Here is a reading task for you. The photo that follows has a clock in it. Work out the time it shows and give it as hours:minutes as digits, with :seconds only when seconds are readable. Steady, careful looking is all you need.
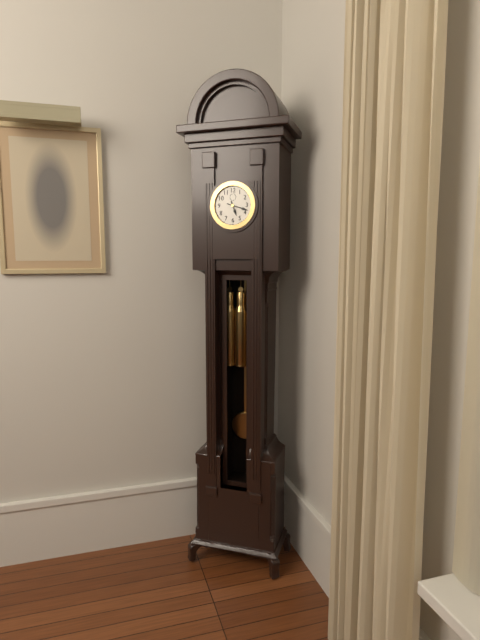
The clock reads 5:18
